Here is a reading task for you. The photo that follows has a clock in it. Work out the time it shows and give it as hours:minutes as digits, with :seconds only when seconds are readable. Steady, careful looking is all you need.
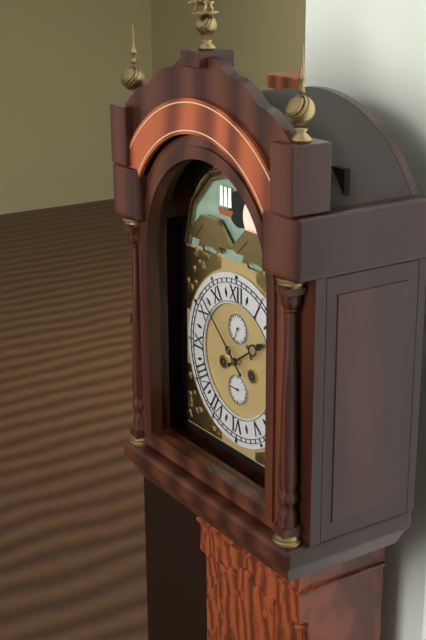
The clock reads 1:52
